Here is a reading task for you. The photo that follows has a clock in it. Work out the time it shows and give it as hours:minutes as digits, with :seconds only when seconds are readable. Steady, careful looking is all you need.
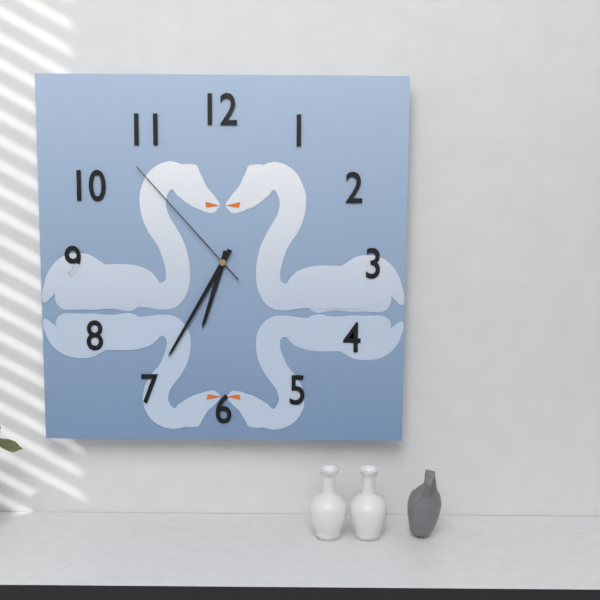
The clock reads 6:35:53
